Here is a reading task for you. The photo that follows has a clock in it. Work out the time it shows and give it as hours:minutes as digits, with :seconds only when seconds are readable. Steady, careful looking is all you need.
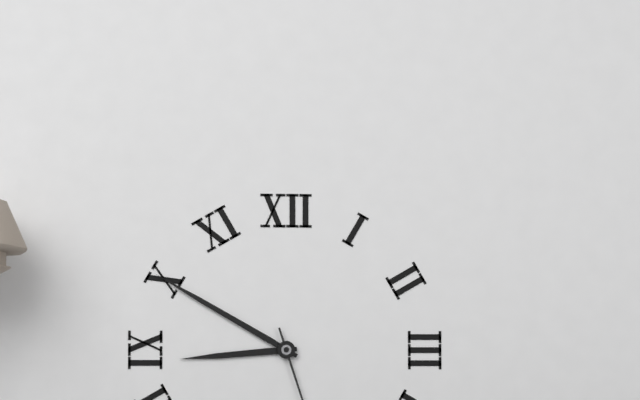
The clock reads 8:50
